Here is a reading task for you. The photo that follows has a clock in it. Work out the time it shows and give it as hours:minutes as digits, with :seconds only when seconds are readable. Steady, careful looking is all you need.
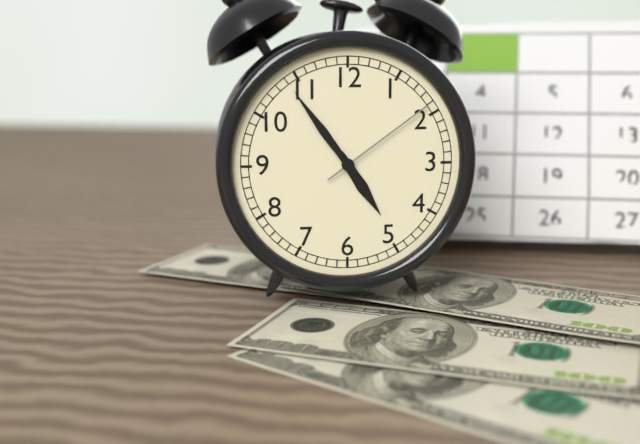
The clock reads 4:54:09
